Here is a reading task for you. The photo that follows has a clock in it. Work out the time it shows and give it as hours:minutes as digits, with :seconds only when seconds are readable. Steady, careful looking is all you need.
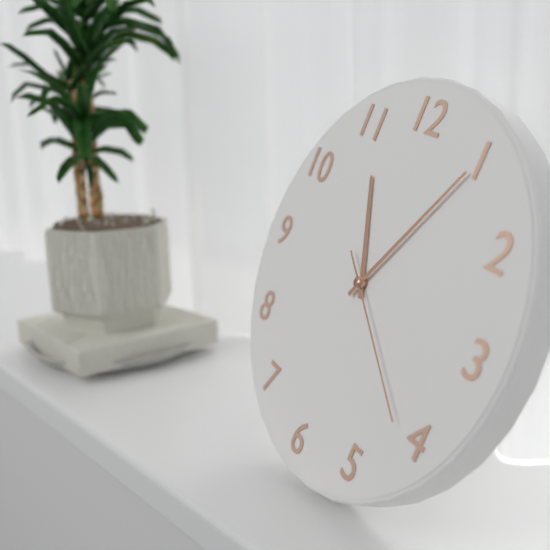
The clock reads 11:05:21
